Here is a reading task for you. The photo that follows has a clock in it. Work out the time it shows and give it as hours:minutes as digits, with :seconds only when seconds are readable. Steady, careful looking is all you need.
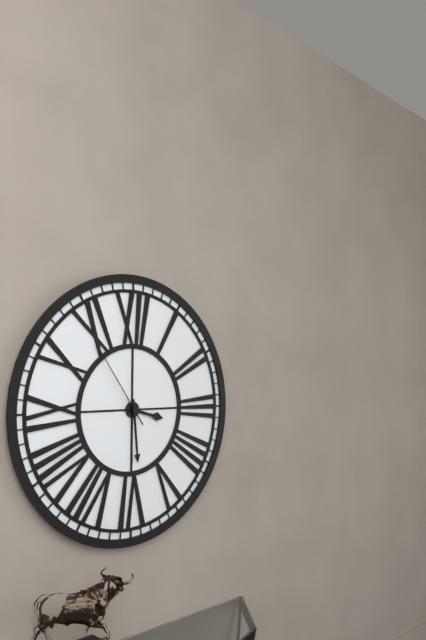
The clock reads 3:29:54
